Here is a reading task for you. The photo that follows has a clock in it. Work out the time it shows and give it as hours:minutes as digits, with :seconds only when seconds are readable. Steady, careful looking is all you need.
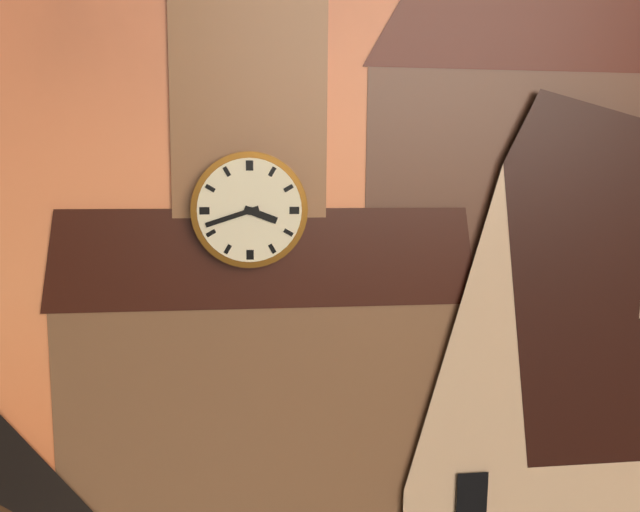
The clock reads 3:42
